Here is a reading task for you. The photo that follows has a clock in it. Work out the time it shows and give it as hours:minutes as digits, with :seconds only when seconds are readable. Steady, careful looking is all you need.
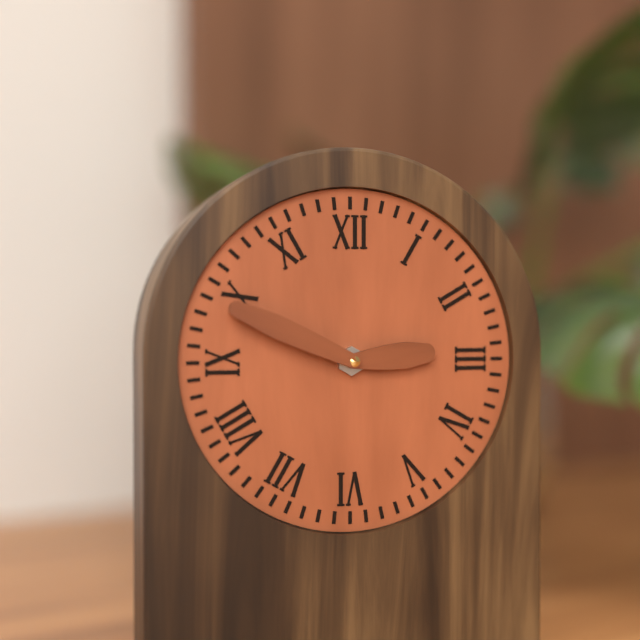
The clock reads 2:49
